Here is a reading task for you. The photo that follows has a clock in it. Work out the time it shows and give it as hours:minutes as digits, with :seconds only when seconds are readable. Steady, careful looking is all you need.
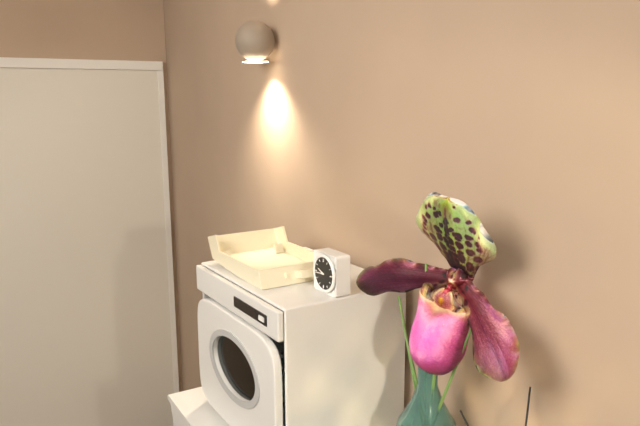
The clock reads 9:44
